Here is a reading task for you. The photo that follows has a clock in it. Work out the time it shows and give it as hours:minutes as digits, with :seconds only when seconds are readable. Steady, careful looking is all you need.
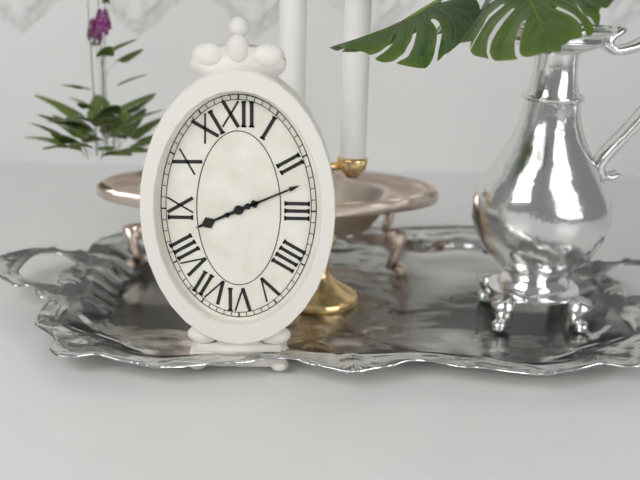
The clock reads 8:11
